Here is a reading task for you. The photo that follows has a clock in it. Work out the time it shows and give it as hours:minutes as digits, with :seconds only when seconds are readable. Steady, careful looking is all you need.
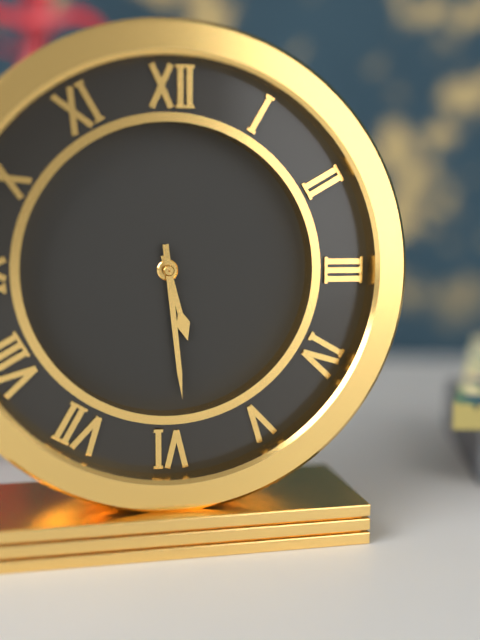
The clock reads 5:29
